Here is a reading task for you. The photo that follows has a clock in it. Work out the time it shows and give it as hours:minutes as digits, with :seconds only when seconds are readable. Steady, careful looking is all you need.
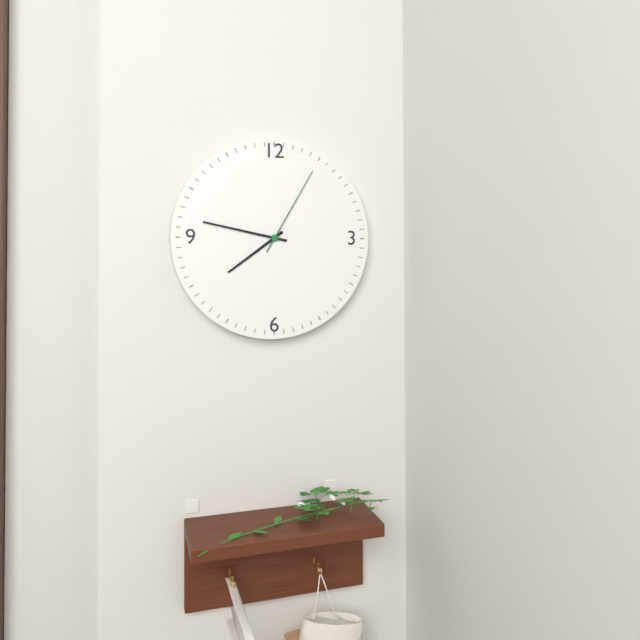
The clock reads 7:47:05
